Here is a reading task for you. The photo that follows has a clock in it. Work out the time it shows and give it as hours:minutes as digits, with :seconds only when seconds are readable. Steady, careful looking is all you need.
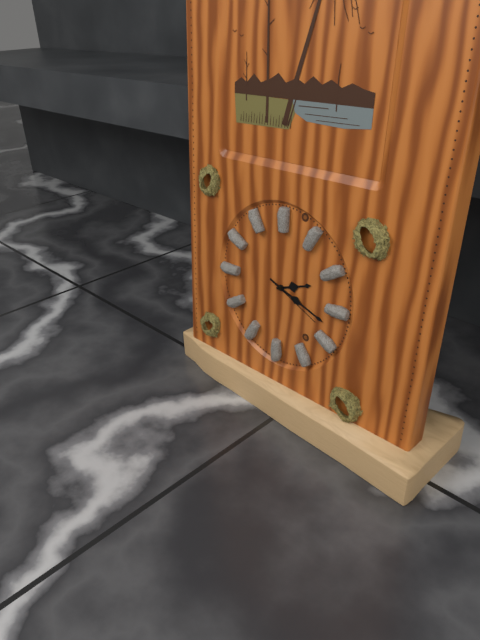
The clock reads 2:18:19
